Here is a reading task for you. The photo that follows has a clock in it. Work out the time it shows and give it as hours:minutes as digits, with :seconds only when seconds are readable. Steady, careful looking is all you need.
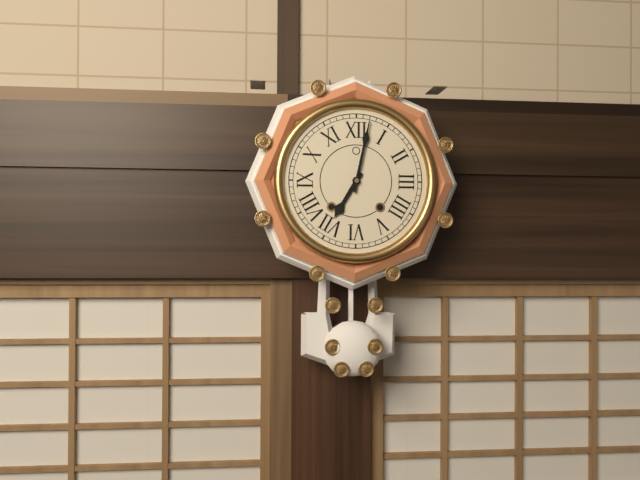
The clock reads 7:02
